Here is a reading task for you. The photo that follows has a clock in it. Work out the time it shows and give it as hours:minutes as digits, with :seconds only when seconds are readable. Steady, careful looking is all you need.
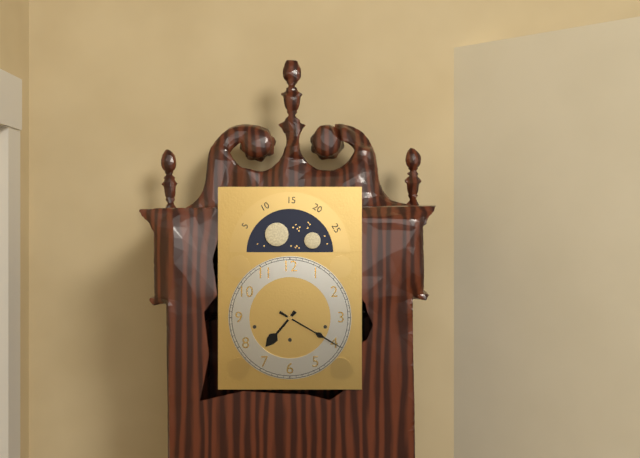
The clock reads 7:20
